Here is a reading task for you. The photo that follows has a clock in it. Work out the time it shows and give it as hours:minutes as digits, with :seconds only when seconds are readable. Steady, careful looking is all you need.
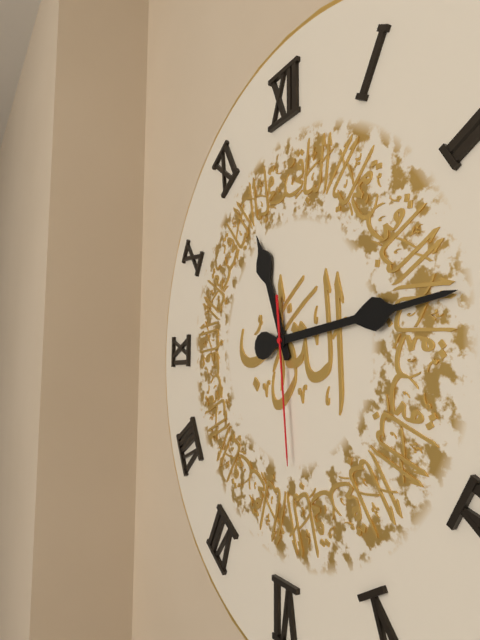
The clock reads 11:14:29
